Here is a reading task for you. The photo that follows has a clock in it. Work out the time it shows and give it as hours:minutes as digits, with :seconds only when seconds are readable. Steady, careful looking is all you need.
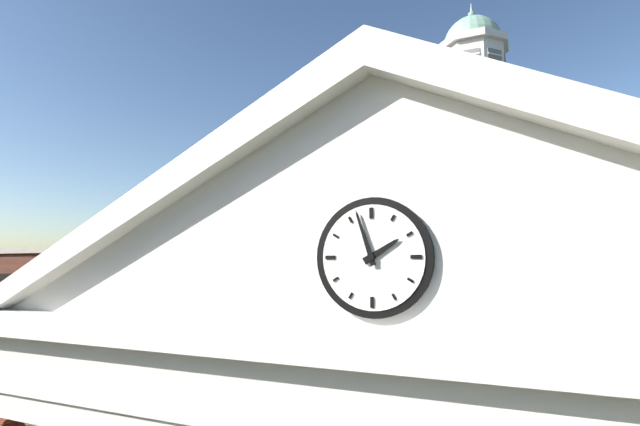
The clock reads 1:57
